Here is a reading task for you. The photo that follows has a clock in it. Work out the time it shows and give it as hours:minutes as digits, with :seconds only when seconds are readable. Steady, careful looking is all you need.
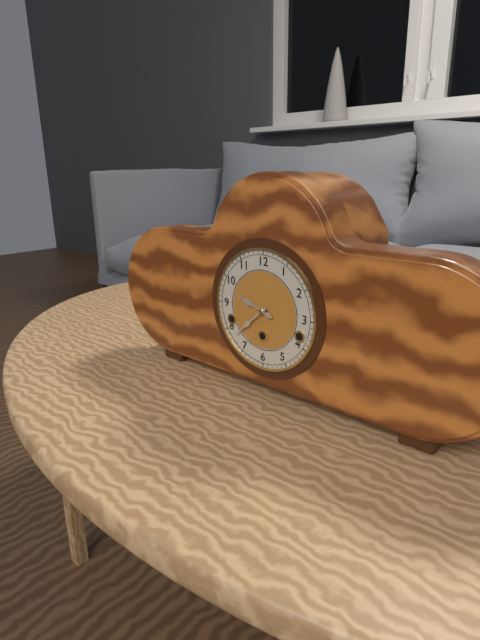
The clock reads 9:38
